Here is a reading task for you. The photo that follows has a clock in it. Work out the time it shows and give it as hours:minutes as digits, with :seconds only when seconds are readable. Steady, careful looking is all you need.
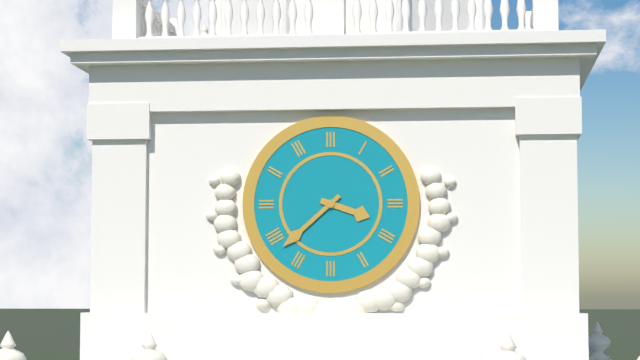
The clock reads 3:38
